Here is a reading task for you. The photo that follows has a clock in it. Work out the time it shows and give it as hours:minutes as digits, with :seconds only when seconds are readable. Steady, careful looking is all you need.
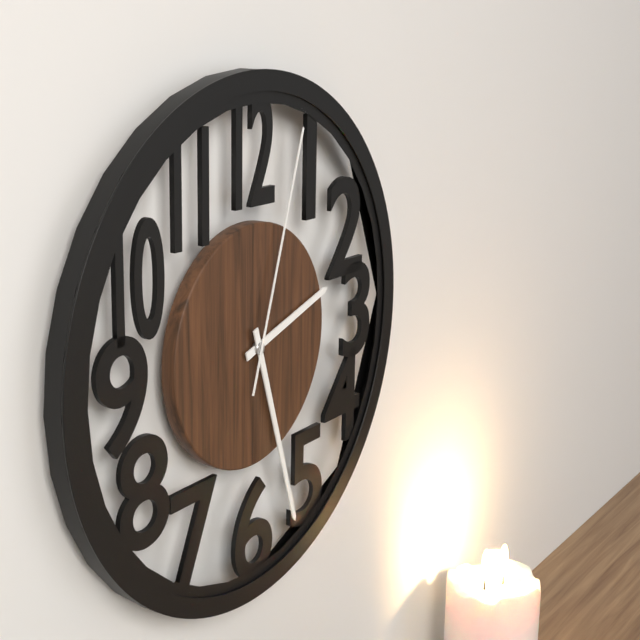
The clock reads 2:27:03
